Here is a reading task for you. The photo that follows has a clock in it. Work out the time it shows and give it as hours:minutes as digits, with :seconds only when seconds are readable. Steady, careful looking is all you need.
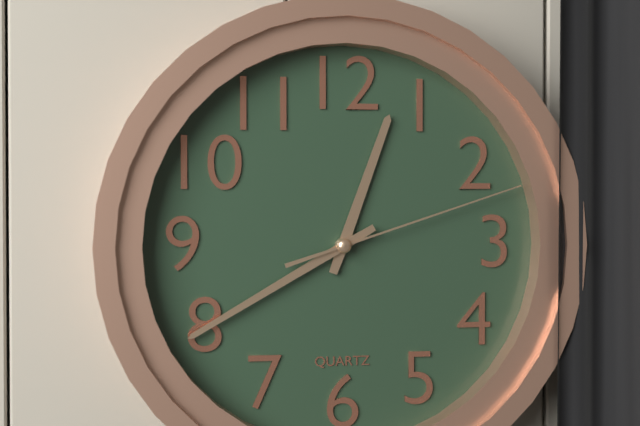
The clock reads 12:40:12
